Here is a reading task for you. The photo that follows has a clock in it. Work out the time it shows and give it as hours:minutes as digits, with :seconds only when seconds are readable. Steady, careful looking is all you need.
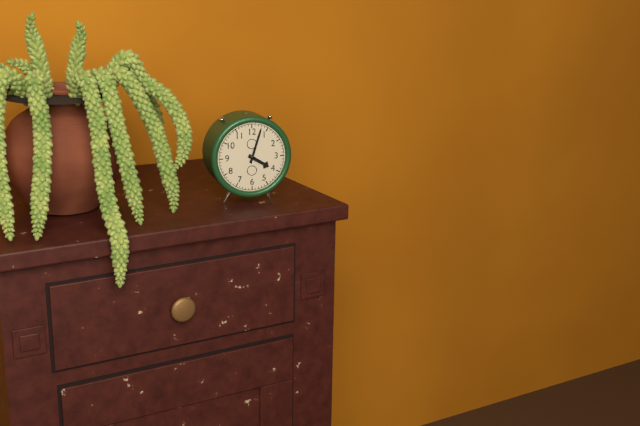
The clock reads 4:03
